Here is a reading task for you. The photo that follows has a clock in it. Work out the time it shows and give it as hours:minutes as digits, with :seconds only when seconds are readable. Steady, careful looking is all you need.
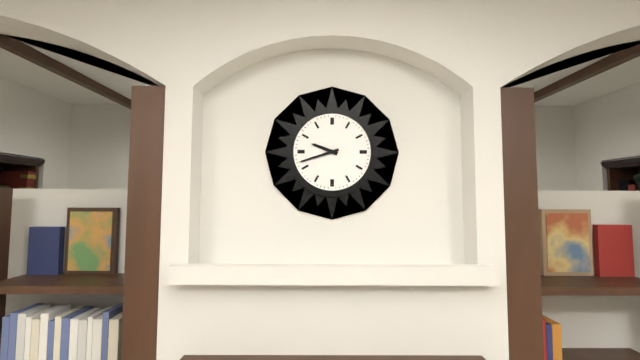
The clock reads 9:42
